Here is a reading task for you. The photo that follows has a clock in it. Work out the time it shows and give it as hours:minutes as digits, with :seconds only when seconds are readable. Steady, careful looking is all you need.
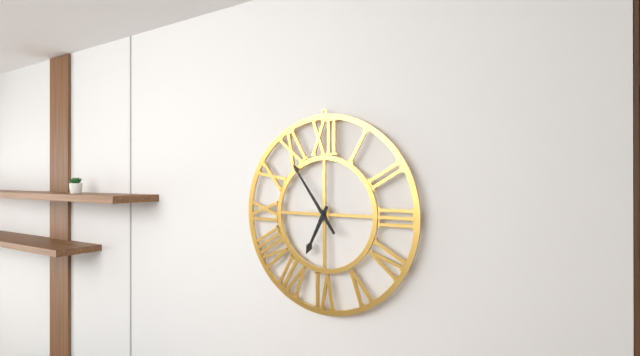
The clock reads 6:54
